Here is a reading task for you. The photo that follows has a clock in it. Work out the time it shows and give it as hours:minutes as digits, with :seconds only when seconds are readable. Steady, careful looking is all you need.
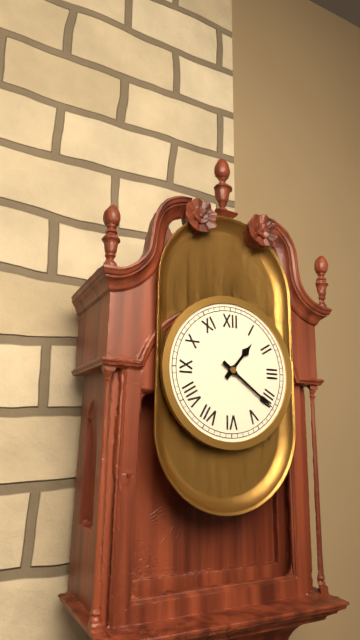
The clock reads 1:21
